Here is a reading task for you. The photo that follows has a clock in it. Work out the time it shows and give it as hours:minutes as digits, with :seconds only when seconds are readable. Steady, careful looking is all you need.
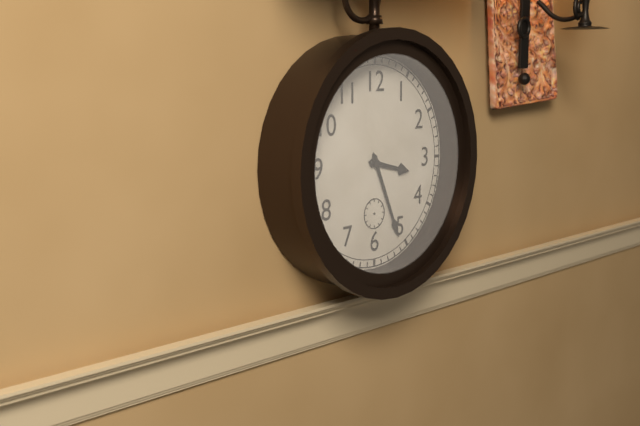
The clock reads 3:26
